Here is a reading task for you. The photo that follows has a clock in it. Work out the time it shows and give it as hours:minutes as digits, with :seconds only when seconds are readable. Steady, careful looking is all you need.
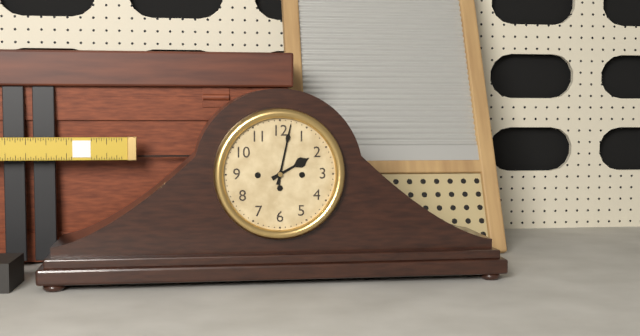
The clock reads 2:02
